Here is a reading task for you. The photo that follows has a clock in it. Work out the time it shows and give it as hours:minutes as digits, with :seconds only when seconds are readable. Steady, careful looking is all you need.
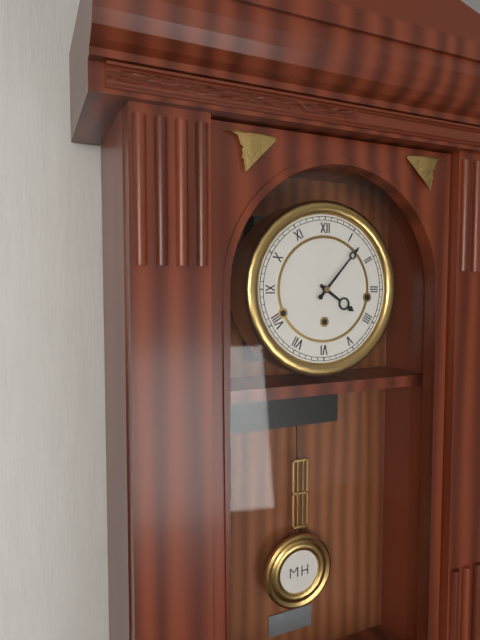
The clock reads 4:07
